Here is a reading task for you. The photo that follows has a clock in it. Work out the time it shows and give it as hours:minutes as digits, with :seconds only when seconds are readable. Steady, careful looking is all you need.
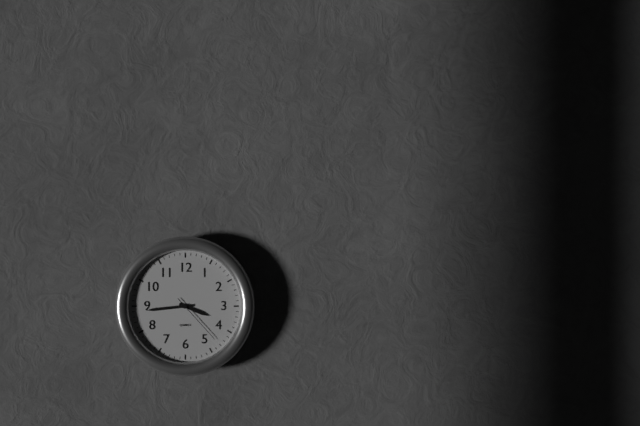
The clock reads 3:44:23
